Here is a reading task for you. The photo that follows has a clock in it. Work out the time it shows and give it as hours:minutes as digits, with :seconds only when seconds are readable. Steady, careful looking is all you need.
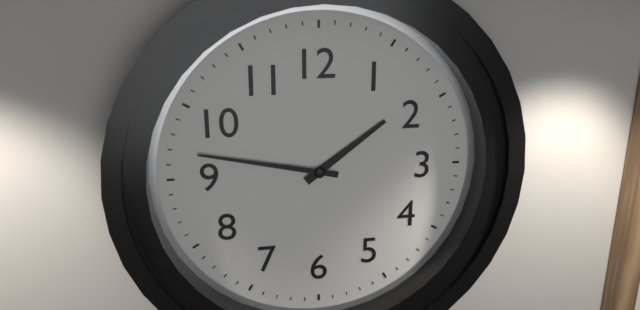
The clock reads 1:47
